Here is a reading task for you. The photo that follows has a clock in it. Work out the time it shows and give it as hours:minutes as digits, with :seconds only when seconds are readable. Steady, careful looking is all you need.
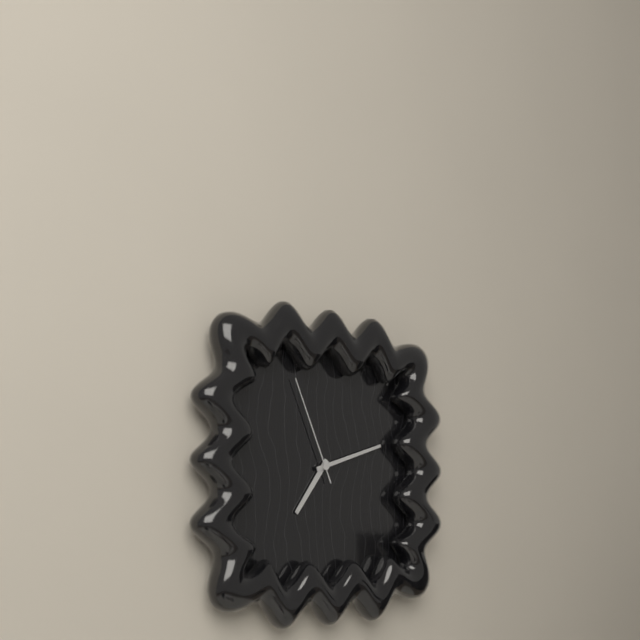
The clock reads 7:12:56
